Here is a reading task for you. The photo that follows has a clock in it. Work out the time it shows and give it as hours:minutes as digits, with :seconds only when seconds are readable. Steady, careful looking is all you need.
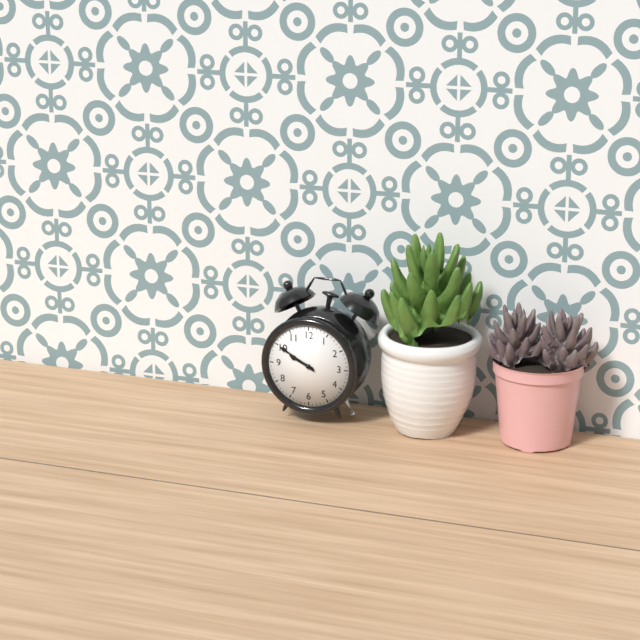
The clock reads 9:50
